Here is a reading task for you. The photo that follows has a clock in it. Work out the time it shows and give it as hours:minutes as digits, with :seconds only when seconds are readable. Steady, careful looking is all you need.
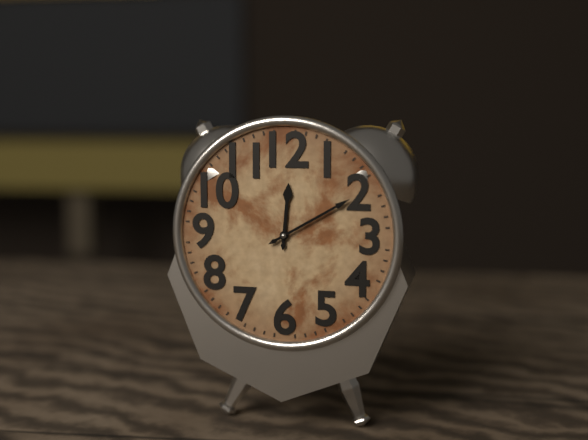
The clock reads 12:10
